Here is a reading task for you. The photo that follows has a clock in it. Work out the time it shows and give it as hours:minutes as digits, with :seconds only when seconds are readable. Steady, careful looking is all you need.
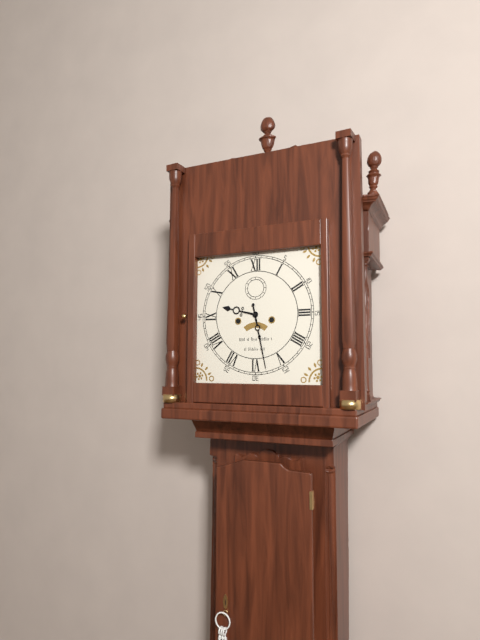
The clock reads 9:28
